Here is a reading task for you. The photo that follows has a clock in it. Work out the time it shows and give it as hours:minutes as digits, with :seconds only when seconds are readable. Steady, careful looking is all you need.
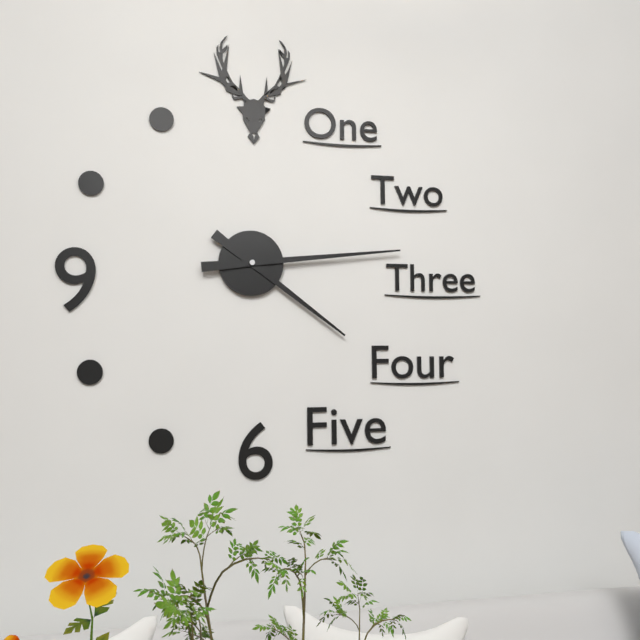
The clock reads 4:14
